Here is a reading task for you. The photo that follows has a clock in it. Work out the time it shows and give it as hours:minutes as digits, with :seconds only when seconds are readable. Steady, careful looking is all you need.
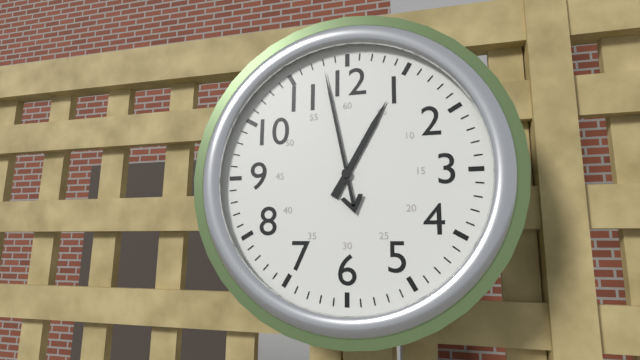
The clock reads 12:58
